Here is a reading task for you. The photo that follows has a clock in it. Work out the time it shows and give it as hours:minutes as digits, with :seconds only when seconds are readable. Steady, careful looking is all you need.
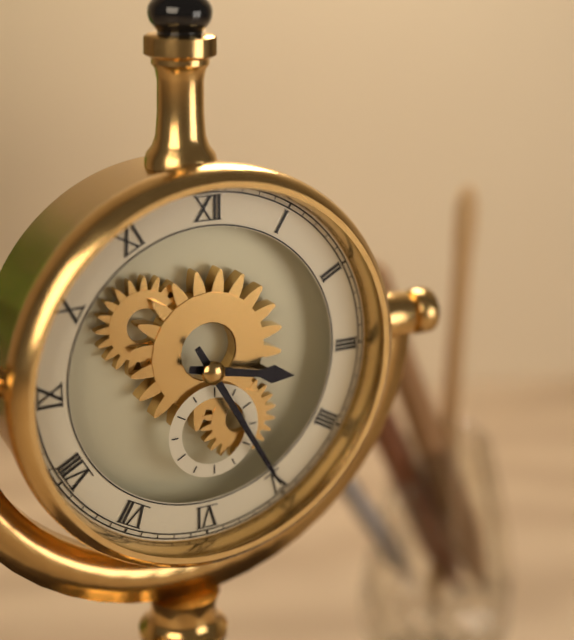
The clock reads 3:25
